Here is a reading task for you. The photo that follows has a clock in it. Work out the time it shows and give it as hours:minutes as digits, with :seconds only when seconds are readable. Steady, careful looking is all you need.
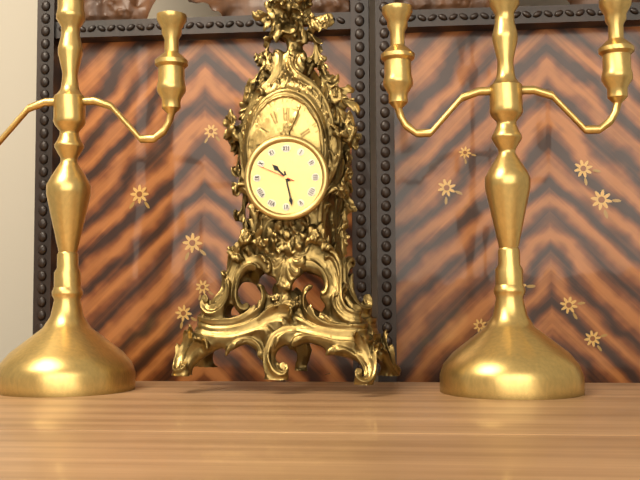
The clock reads 10:28
